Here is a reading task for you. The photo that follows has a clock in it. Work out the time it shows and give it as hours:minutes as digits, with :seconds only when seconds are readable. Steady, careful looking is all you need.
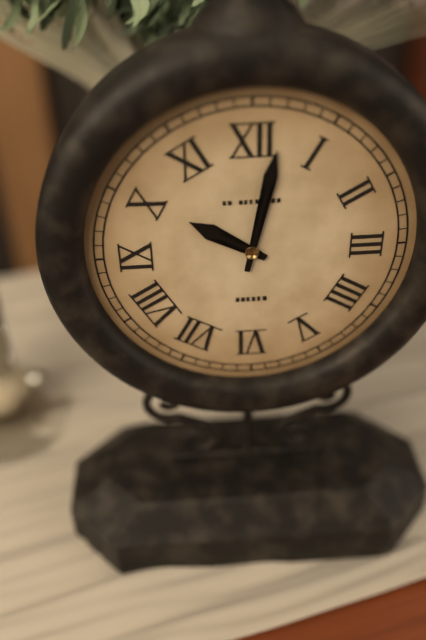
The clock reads 10:02
